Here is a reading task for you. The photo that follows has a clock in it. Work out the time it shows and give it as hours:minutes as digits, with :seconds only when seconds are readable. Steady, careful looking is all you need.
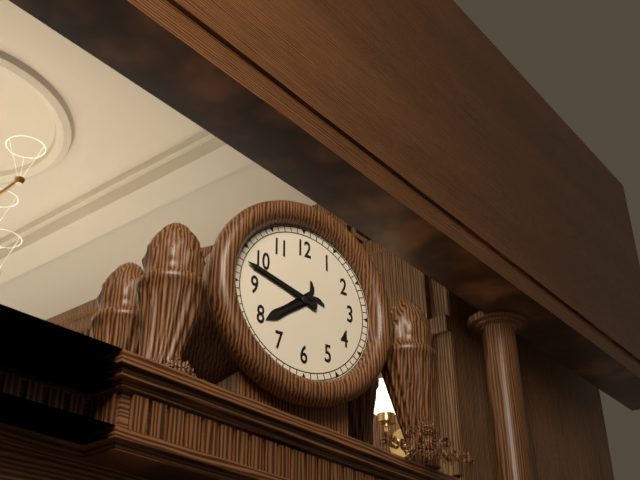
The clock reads 7:48
